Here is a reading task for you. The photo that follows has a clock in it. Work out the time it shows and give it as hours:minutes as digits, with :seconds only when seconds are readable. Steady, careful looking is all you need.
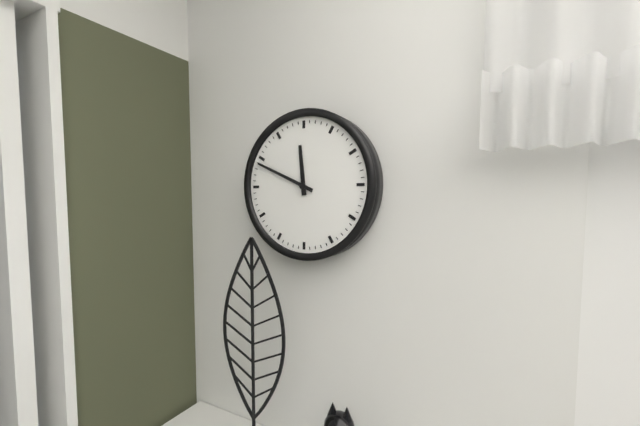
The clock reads 11:49
